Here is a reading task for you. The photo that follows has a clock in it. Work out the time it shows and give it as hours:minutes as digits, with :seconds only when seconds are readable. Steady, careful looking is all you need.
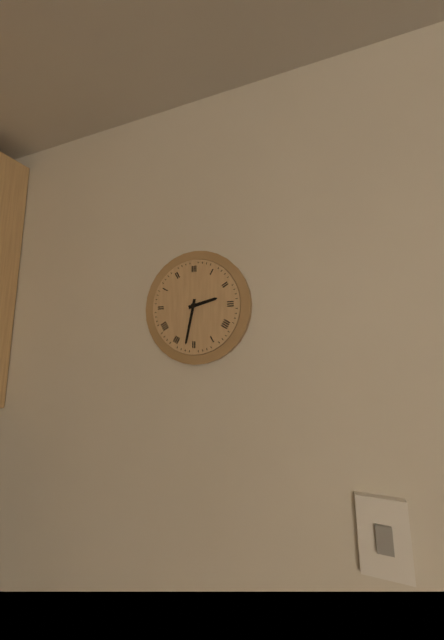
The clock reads 2:32
